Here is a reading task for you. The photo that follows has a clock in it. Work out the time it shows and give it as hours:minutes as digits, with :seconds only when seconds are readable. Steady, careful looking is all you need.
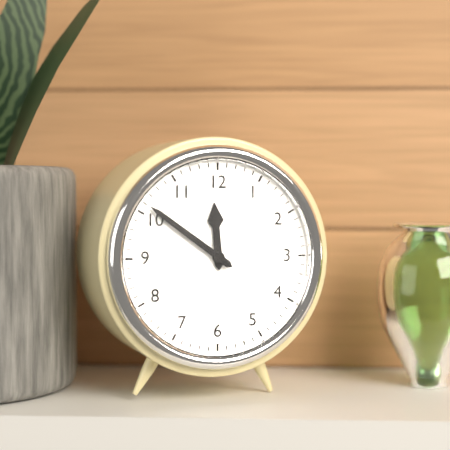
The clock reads 11:51
